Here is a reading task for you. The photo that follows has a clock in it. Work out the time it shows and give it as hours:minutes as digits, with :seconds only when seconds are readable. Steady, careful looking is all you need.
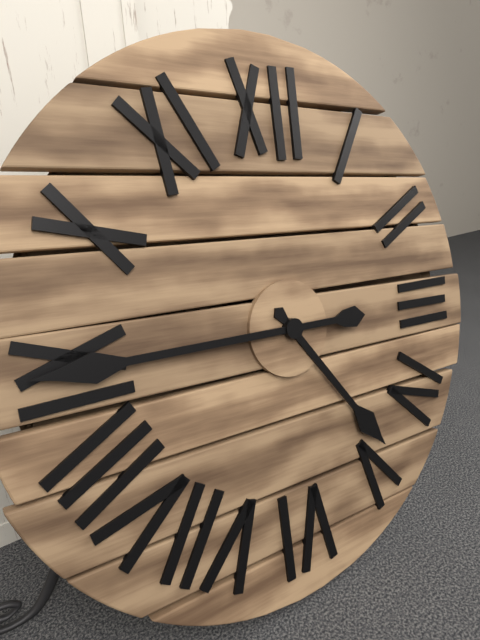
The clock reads 4:45
